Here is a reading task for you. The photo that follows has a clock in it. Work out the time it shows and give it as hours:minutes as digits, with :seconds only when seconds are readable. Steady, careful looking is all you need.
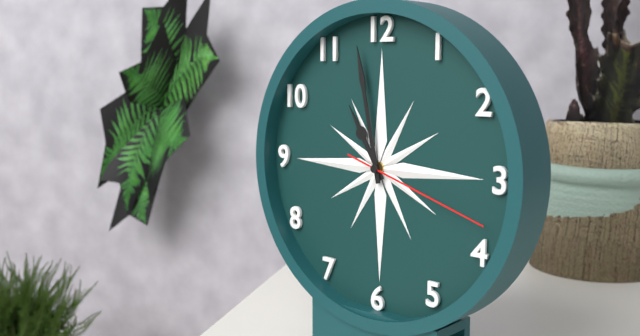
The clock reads 10:58:18
